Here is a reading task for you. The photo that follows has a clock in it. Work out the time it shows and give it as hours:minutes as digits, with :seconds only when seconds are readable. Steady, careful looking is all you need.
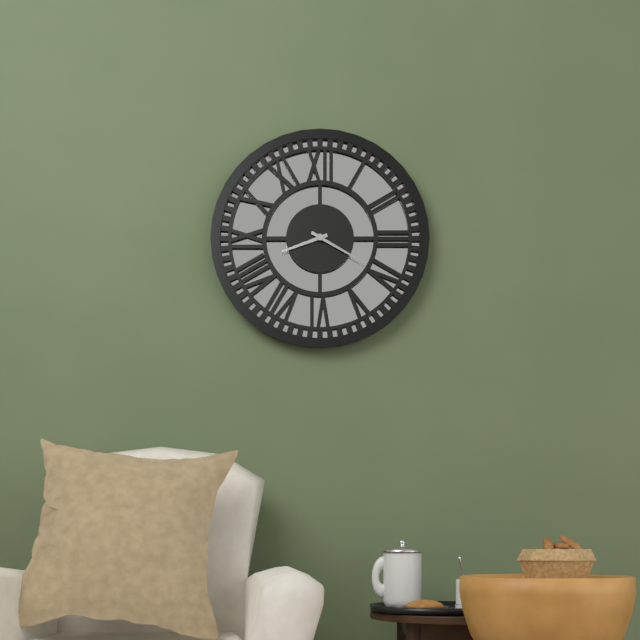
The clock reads 8:20
